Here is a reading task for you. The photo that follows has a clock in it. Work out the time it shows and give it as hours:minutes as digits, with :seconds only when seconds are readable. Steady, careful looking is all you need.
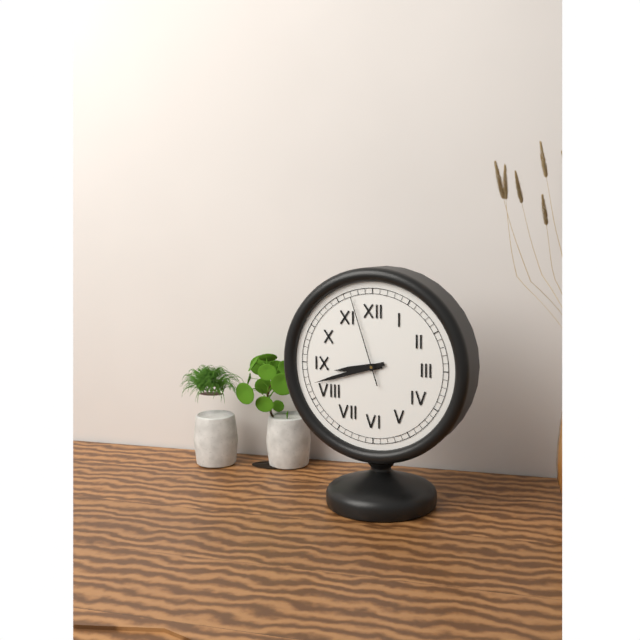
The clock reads 8:42:57
